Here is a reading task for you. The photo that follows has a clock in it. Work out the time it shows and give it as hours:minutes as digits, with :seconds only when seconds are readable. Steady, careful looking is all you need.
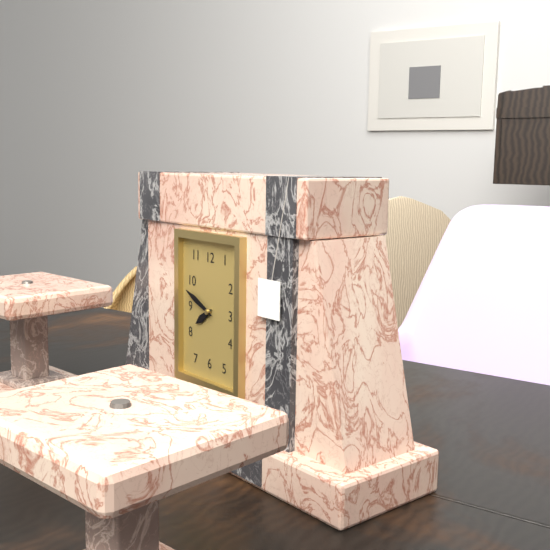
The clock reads 7:49
